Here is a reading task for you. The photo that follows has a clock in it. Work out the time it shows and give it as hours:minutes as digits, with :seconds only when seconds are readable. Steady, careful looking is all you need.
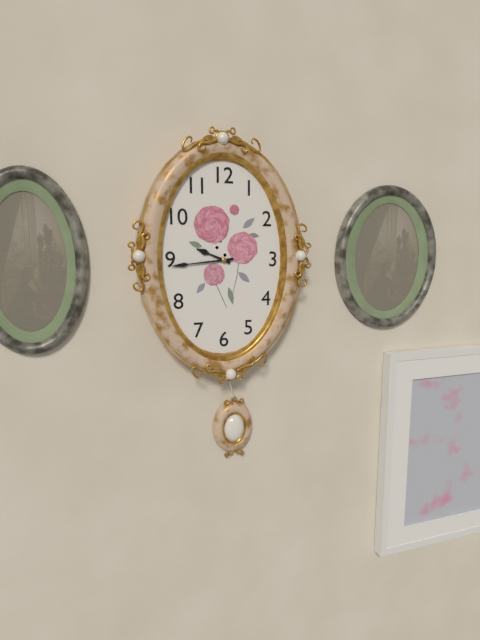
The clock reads 9:44
